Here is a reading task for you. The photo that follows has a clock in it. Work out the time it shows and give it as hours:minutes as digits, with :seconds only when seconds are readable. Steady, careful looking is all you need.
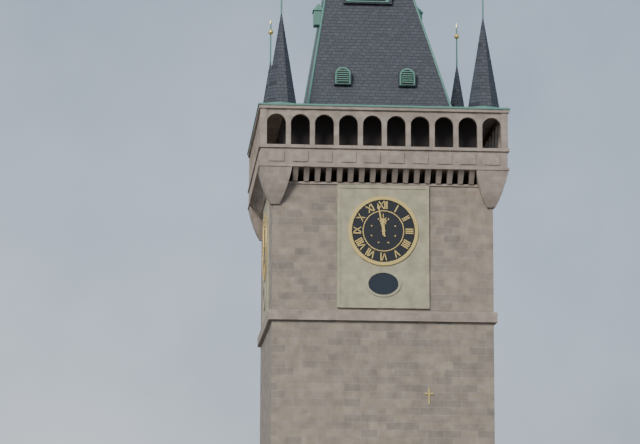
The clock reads 11:58
